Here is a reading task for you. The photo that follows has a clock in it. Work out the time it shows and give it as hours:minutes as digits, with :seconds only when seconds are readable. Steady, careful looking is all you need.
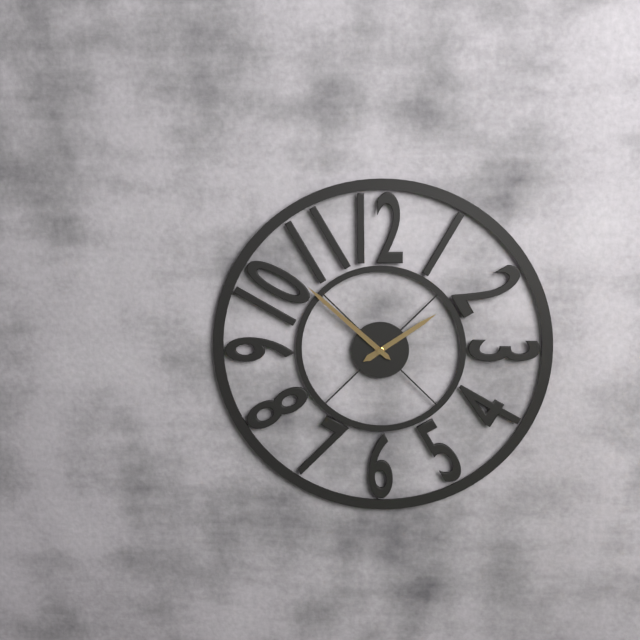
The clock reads 1:52
